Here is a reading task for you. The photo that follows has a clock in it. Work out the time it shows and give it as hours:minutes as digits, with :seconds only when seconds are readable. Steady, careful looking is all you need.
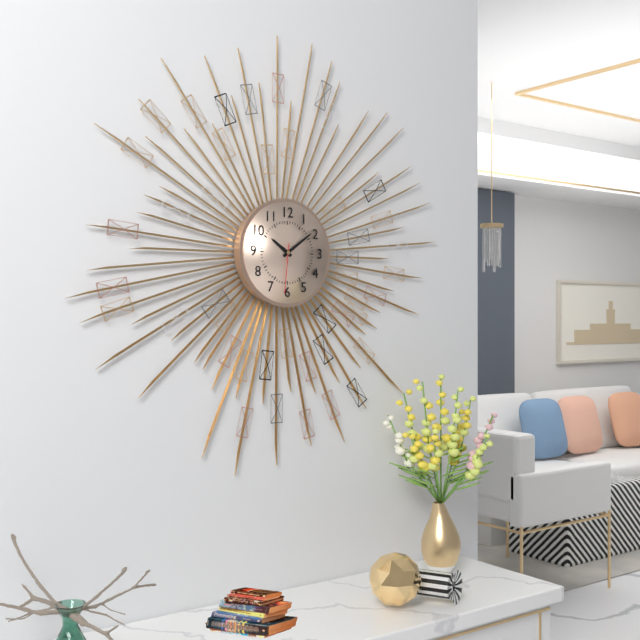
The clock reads 10:09:31
